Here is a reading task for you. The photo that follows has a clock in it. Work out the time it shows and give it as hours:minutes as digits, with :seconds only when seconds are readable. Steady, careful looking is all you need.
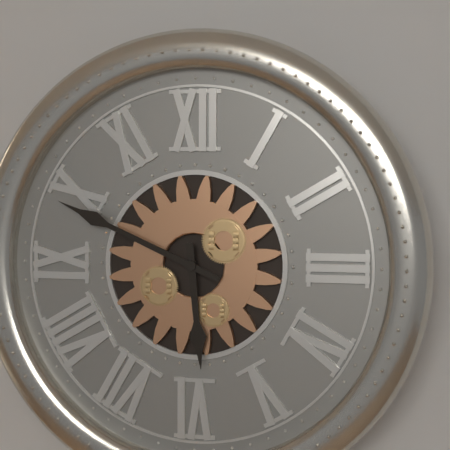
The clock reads 5:49
